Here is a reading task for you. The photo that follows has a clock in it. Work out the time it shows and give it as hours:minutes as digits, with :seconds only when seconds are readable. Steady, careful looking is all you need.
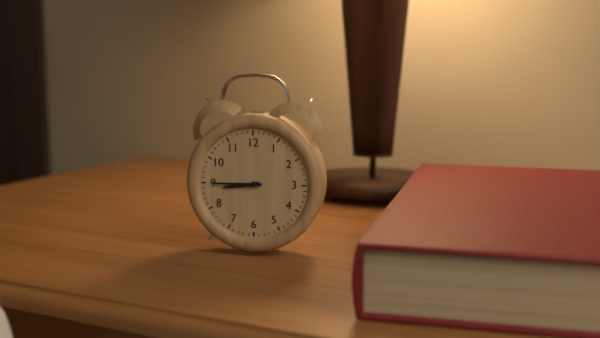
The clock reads 8:45
